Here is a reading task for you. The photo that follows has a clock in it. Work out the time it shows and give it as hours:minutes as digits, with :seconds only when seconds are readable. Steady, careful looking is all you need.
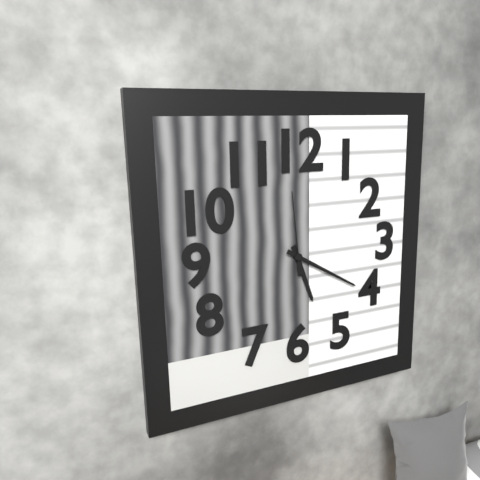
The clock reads 5:20:59
